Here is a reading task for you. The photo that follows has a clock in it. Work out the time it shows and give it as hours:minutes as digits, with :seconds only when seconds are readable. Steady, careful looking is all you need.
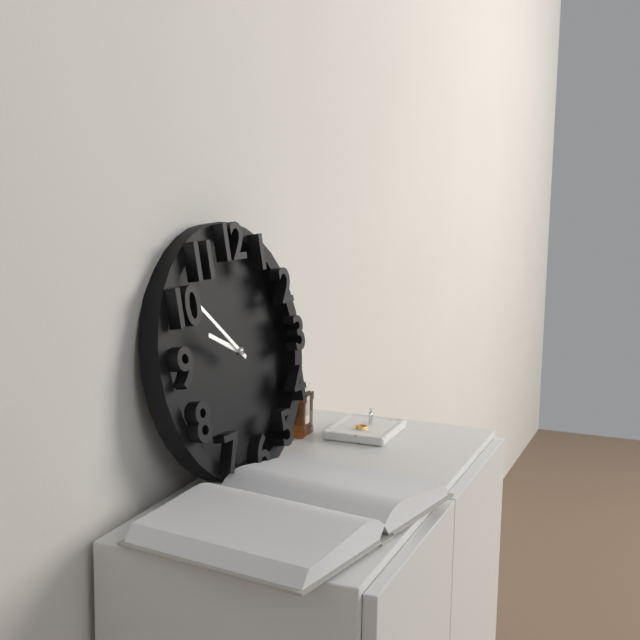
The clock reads 9:52
